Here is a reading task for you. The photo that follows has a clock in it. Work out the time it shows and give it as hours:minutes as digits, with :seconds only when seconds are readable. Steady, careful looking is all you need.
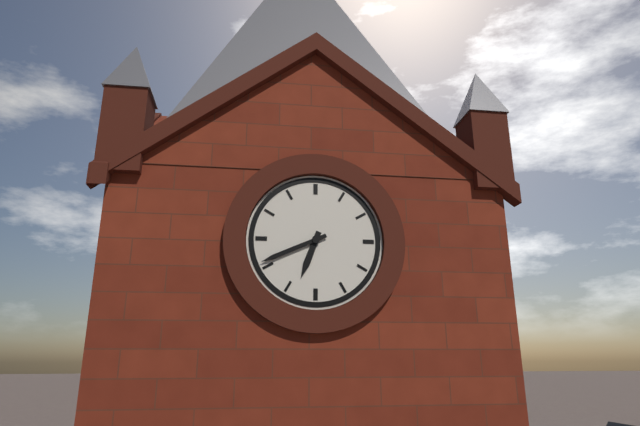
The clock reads 6:41
